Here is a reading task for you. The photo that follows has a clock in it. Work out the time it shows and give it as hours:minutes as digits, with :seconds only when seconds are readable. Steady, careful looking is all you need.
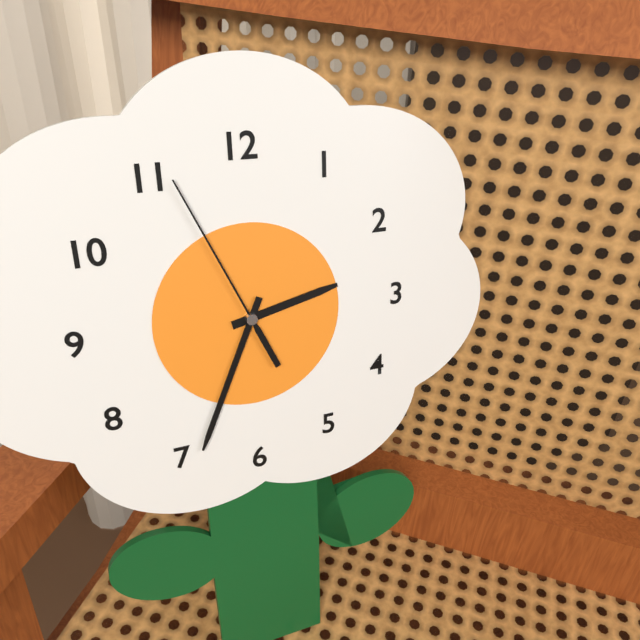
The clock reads 2:34:56
